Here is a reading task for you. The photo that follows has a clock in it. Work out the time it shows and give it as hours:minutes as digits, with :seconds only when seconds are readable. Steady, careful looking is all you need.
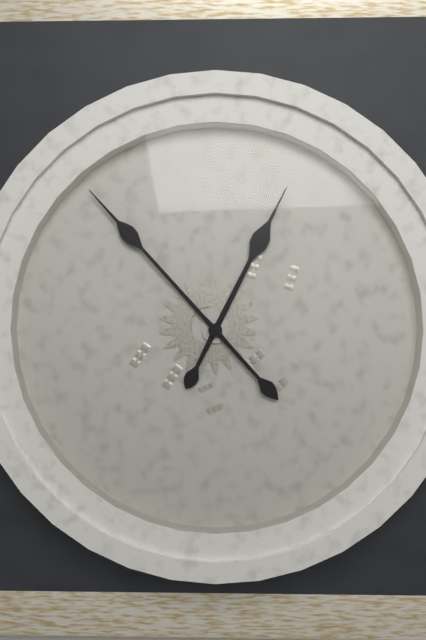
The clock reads 12:53
